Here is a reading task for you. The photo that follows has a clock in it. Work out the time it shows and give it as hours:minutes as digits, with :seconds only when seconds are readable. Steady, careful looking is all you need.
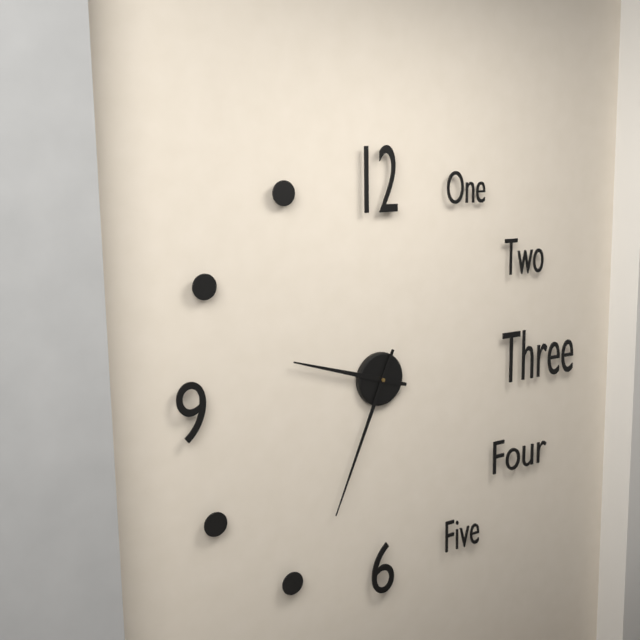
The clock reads 9:34
